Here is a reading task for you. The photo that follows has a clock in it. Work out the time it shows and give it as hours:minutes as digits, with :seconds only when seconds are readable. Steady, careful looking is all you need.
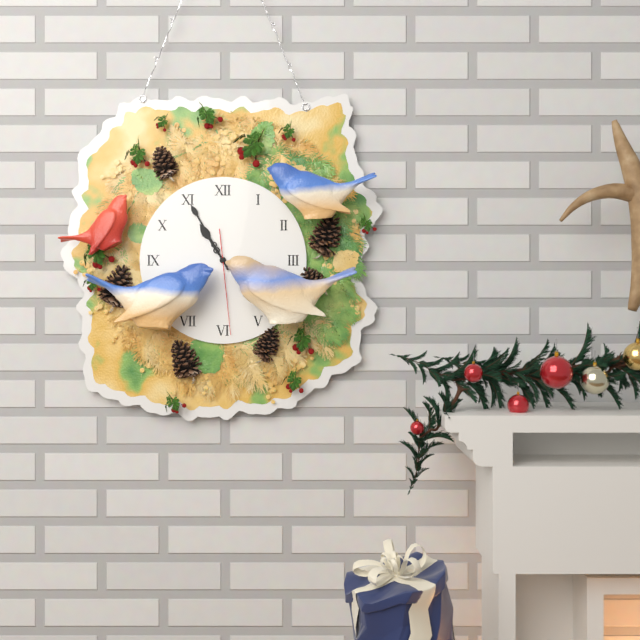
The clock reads 10:55:29
